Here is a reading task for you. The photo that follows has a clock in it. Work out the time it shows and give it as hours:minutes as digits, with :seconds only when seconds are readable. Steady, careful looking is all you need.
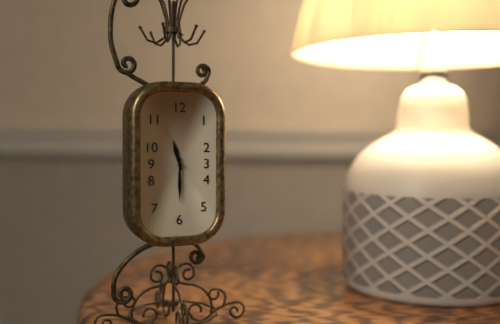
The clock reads 11:30
